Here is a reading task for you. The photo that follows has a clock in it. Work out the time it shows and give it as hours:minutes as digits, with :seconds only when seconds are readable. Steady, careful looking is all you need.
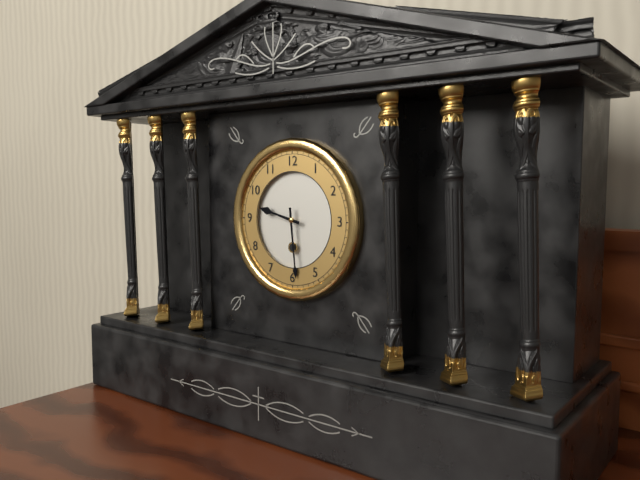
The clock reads 9:29
